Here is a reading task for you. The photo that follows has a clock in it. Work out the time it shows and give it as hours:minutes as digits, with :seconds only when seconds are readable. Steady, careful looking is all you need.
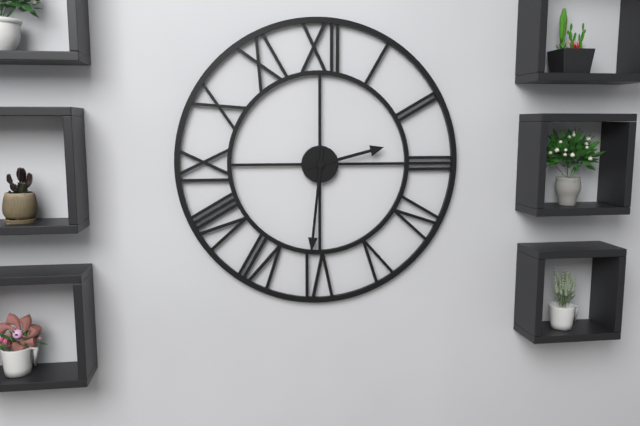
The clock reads 2:31
